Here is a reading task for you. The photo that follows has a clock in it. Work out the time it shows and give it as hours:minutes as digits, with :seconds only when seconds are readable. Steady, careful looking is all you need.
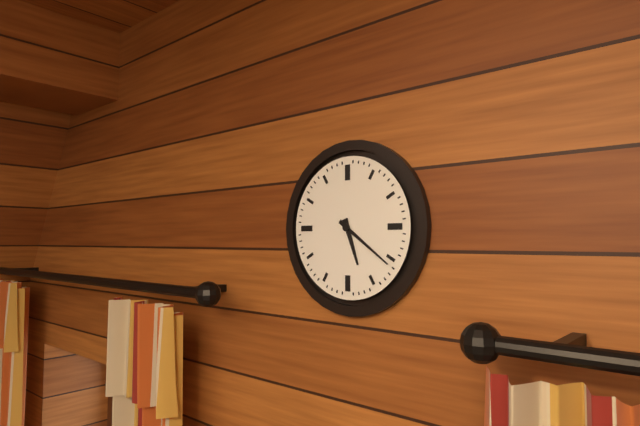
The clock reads 5:21
